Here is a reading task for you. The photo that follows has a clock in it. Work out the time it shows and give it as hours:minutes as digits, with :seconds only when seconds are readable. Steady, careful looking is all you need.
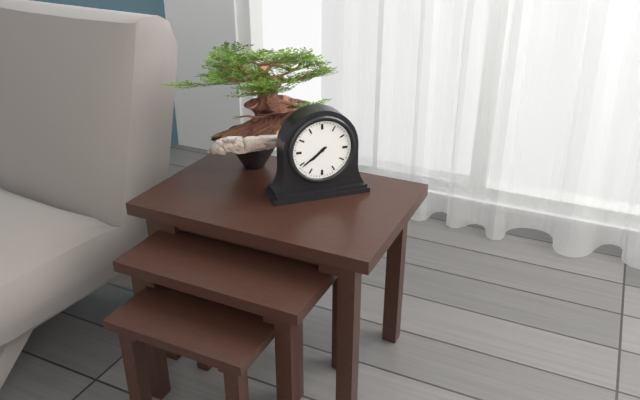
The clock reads 7:39
